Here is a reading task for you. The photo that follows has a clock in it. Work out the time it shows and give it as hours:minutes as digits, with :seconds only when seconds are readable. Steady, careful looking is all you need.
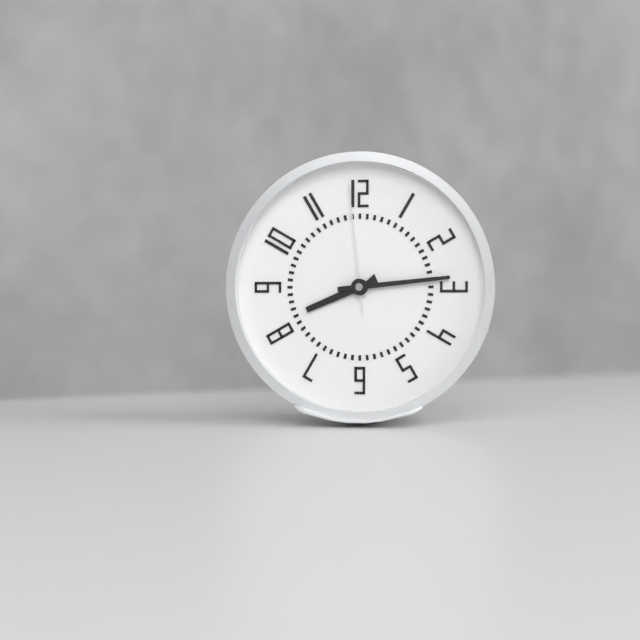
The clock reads 8:14:59
